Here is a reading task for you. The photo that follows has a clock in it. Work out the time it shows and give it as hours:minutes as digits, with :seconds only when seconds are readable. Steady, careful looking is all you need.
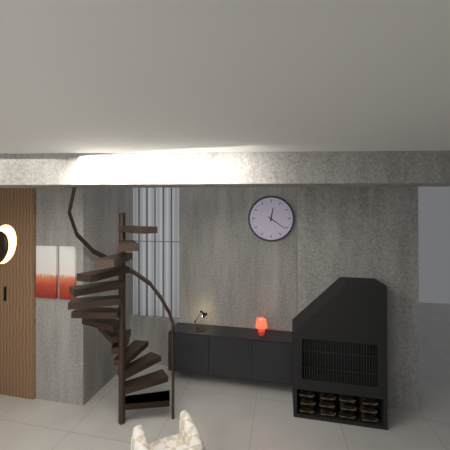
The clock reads 12:21
